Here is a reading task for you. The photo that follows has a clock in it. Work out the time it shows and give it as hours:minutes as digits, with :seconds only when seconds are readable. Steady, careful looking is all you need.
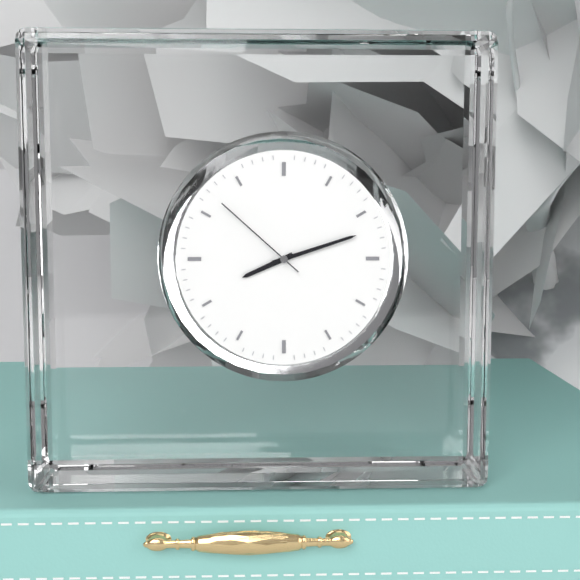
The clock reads 8:12:52
